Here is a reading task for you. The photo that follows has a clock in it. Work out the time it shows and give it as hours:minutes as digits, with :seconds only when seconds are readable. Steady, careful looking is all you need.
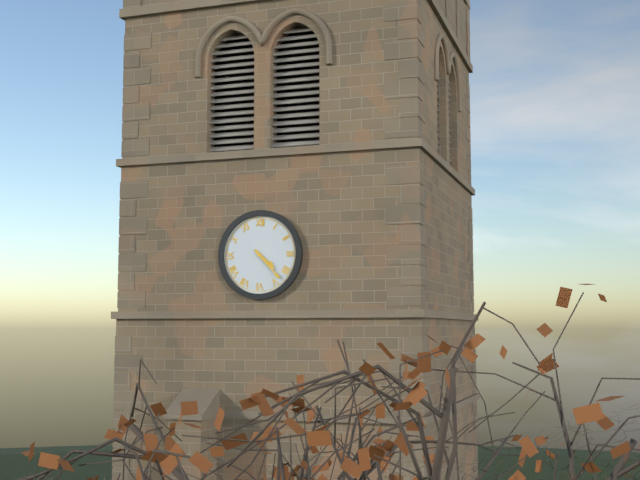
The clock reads 4:23
